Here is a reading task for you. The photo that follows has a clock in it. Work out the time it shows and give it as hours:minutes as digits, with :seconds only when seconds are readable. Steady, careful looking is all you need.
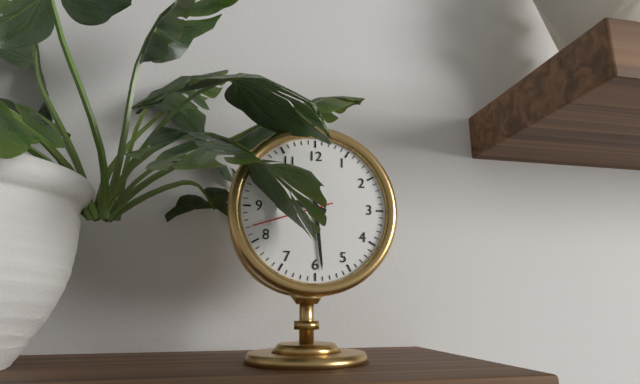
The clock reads 9:29:42
